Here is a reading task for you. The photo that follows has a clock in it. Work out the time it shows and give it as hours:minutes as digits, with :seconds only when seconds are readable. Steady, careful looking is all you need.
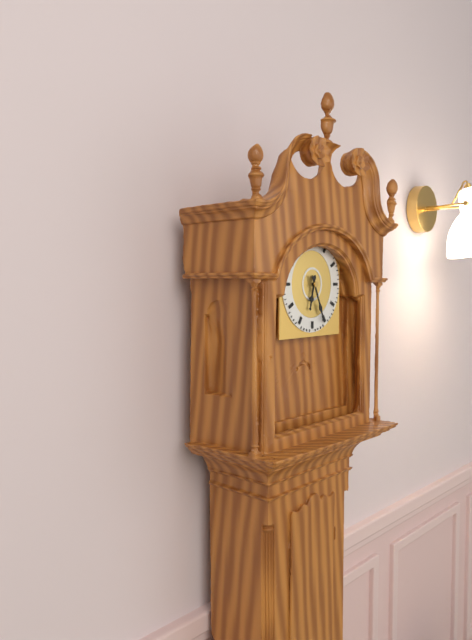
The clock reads 6:26
